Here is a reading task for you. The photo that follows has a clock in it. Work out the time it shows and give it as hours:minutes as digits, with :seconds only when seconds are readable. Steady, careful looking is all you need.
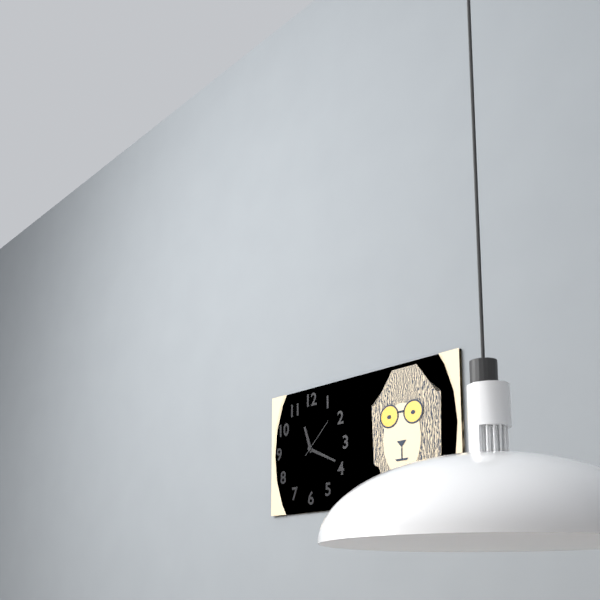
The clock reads 11:19
